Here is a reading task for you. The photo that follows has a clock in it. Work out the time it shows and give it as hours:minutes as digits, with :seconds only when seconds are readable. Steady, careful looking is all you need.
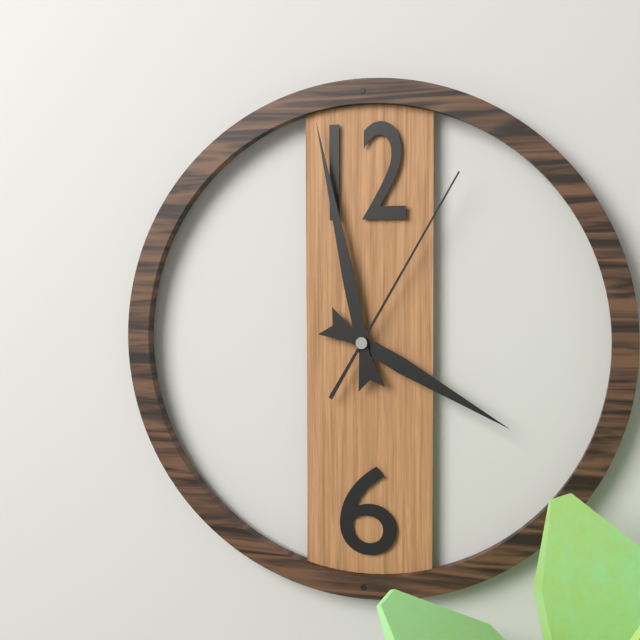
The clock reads 3:58:05
